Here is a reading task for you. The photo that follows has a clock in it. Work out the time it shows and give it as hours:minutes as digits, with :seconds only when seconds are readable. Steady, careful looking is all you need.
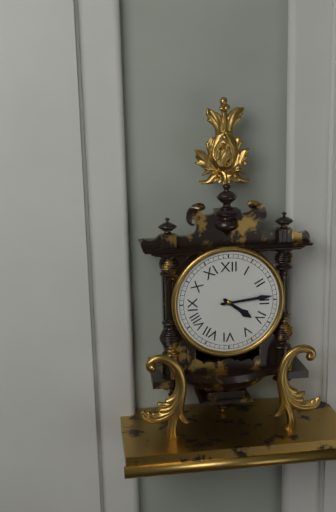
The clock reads 4:14
